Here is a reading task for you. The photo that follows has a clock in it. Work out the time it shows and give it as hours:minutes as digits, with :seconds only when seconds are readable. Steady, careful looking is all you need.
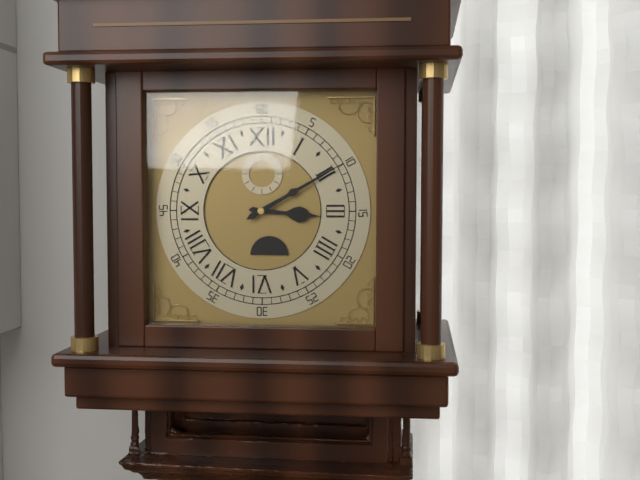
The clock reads 3:10
